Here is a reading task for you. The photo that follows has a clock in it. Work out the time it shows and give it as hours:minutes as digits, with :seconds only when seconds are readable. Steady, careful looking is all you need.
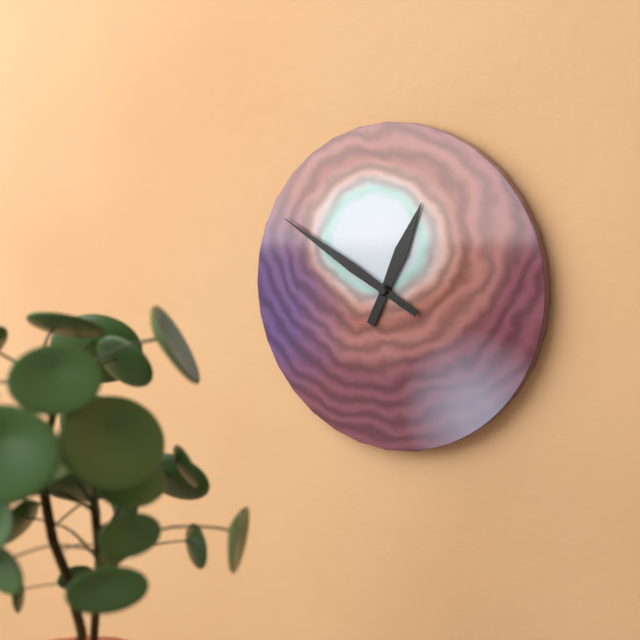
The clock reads 12:50
